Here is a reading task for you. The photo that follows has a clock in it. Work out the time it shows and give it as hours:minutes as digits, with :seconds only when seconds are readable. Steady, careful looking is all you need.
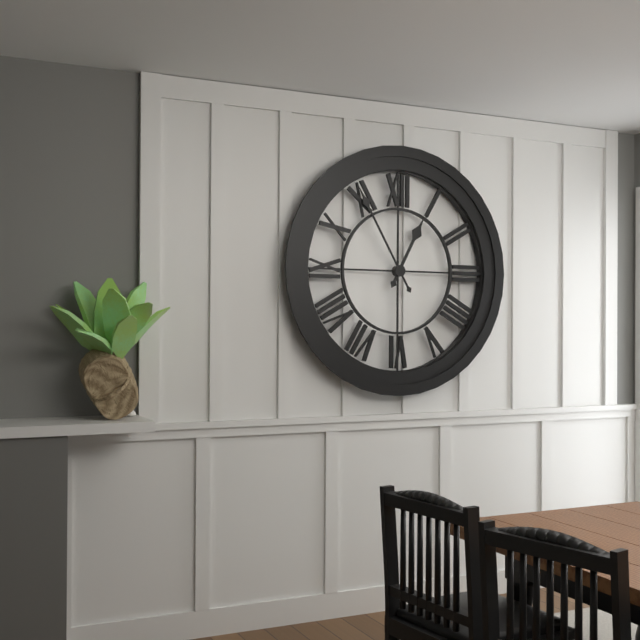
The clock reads 12:55
